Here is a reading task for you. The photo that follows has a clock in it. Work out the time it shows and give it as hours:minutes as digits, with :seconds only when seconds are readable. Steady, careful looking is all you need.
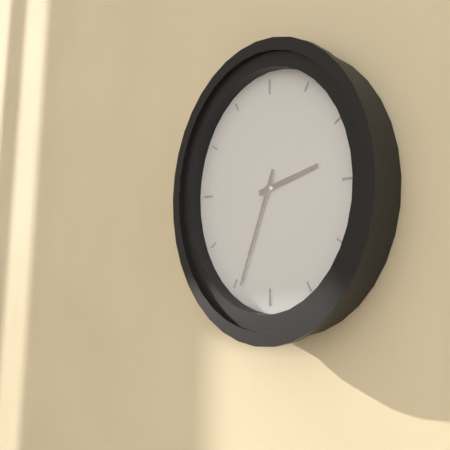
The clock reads 2:34
